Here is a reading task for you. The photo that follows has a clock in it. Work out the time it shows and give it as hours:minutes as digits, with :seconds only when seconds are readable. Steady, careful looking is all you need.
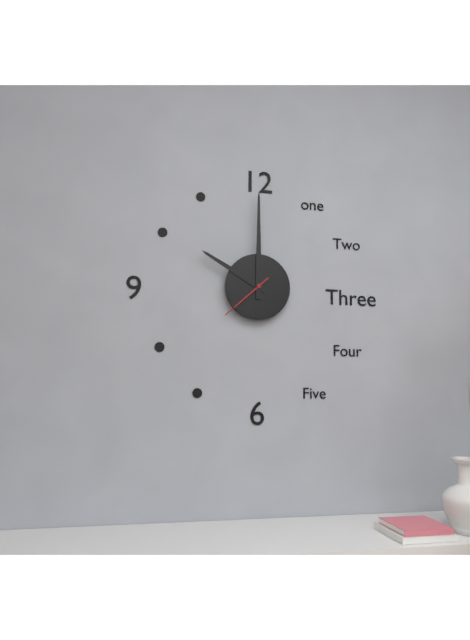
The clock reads 10:00:38
